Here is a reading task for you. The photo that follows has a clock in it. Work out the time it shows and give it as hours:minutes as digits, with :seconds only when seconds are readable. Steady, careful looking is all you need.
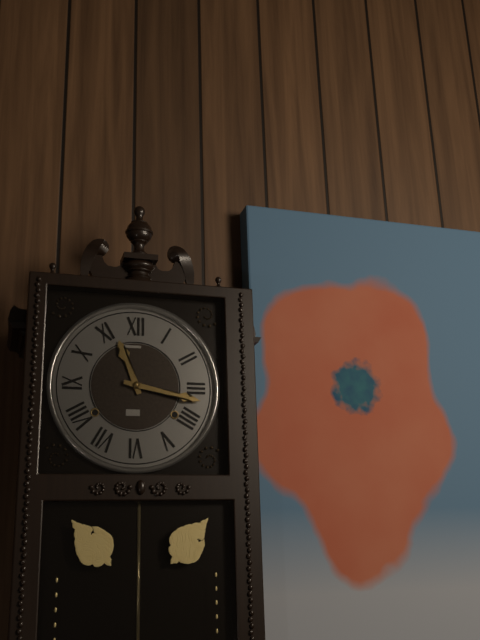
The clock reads 11:17
